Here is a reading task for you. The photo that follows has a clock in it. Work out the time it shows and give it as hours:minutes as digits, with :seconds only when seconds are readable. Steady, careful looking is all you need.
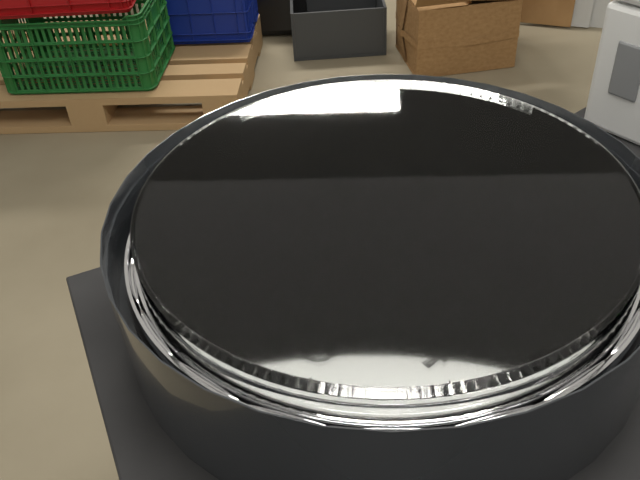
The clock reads 2:53
